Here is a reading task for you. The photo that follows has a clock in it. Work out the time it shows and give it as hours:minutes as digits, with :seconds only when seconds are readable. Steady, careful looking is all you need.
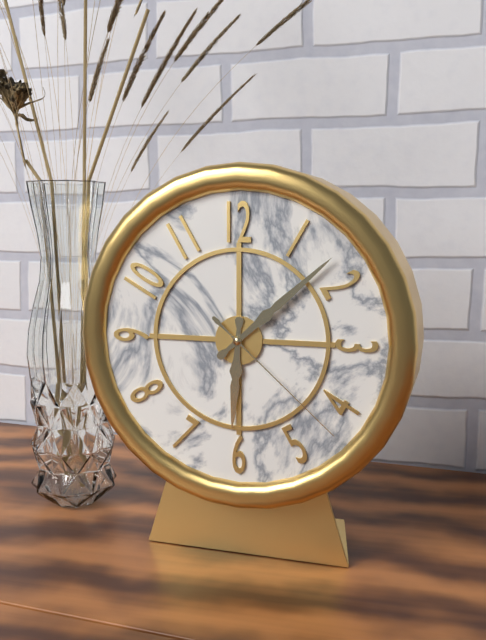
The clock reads 6:08:22
